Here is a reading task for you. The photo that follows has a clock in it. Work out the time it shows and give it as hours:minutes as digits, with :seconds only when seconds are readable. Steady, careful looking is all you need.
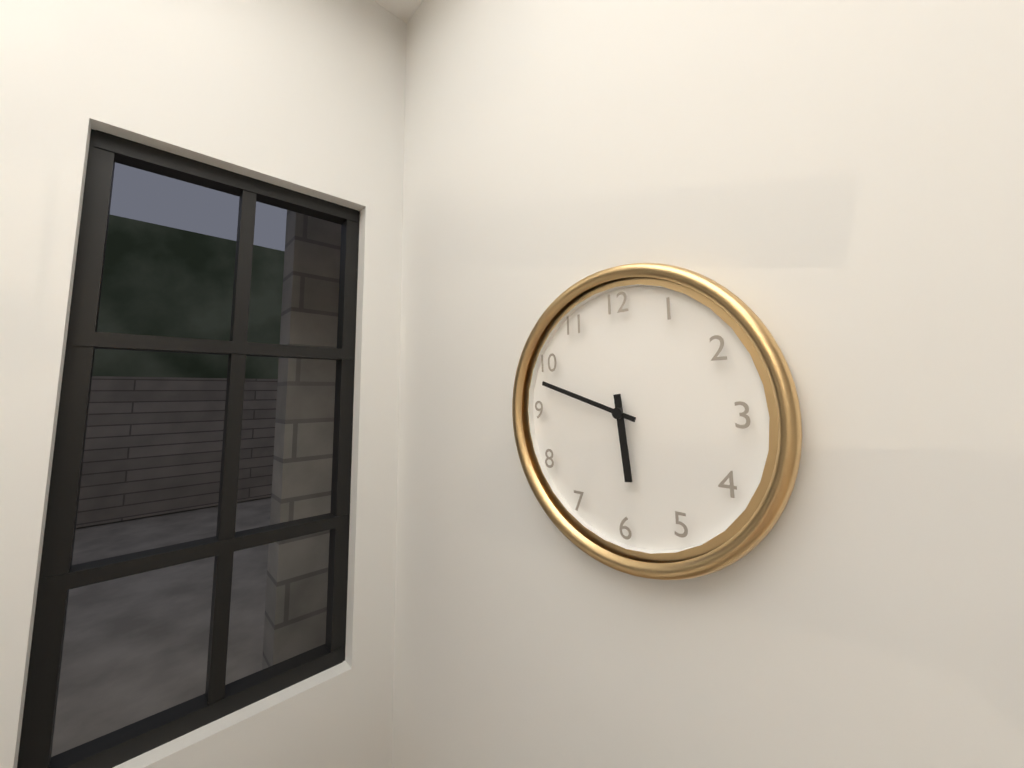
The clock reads 5:48
